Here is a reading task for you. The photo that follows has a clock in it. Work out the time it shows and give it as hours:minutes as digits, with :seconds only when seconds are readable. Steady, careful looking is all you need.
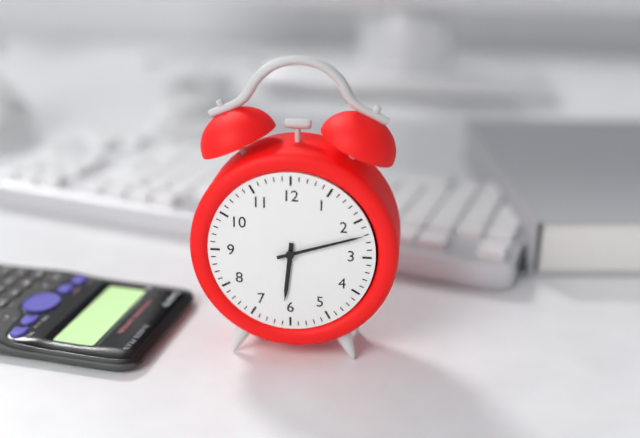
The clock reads 6:12
